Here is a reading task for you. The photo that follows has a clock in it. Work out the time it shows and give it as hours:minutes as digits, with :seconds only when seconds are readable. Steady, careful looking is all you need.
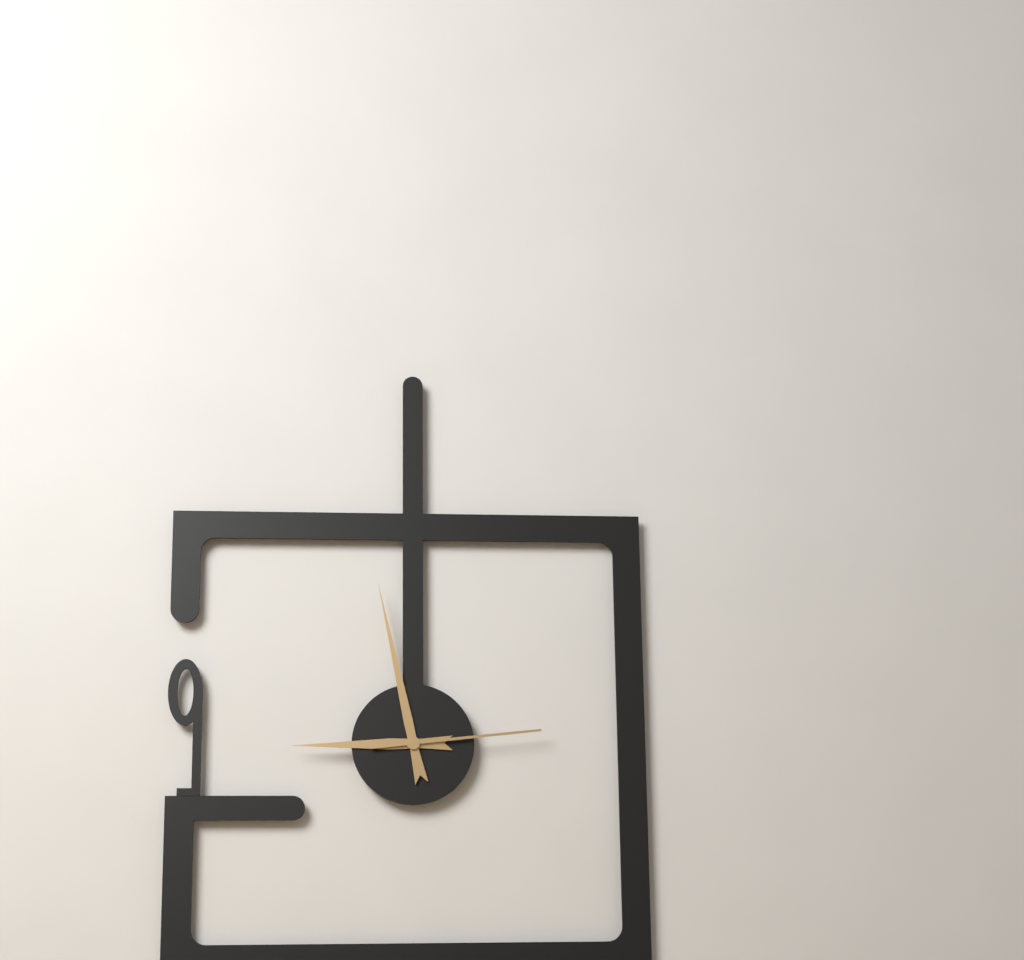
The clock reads 8:58:14
